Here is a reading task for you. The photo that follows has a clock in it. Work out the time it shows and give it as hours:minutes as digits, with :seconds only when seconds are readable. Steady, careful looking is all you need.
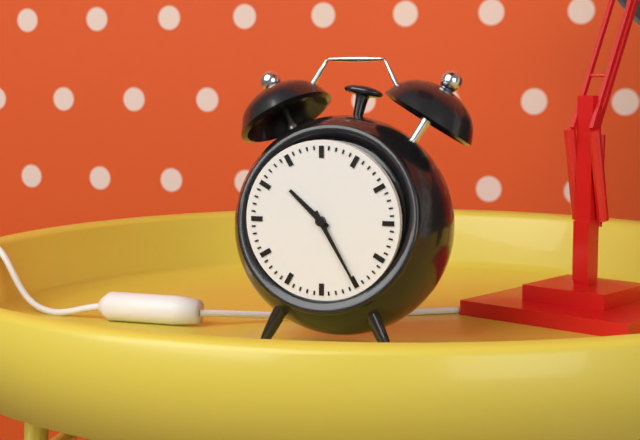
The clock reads 10:25
